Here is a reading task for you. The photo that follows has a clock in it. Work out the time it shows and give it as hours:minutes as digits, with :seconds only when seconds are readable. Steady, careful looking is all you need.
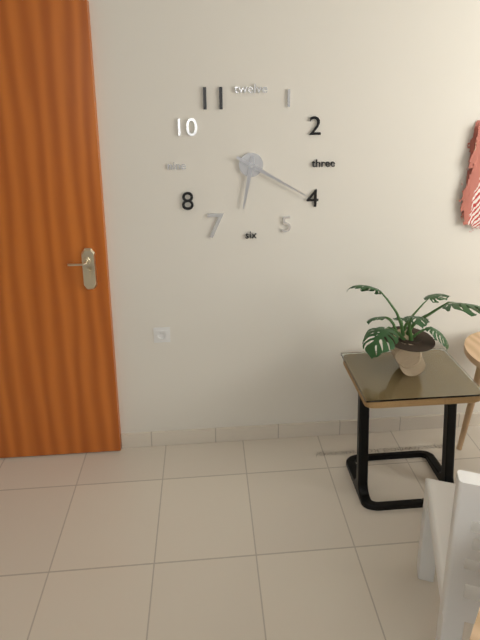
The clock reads 6:20
